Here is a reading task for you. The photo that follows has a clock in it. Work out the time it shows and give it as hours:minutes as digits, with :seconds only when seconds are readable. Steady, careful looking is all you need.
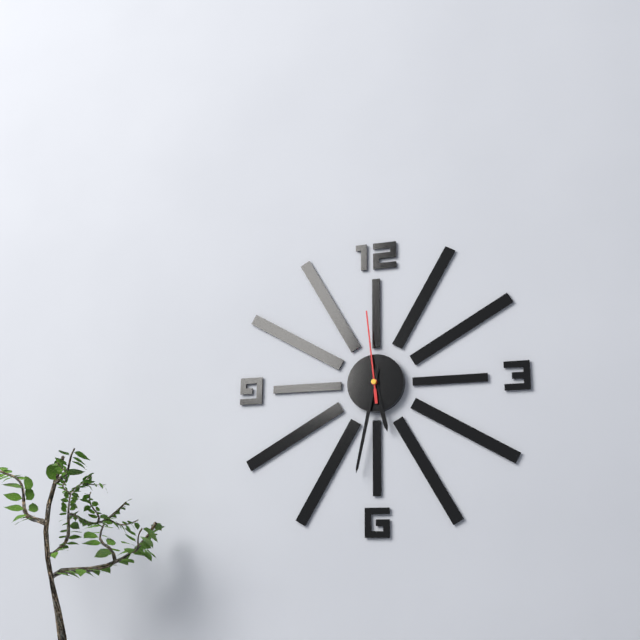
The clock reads 5:32:59
